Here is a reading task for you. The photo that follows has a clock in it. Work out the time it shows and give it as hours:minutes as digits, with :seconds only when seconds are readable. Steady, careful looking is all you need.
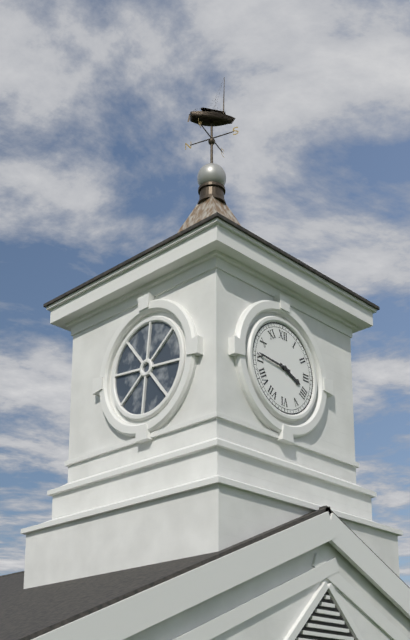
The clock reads 3:46
